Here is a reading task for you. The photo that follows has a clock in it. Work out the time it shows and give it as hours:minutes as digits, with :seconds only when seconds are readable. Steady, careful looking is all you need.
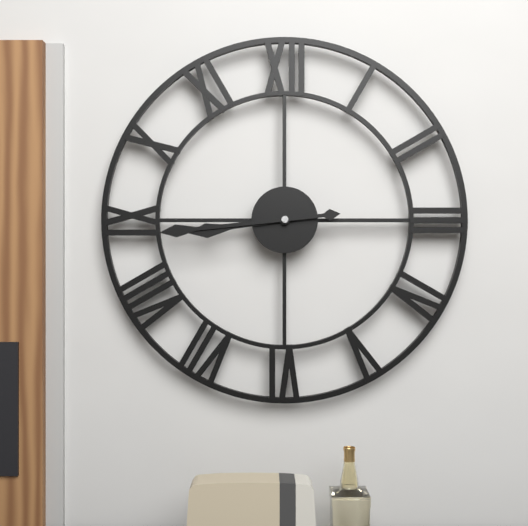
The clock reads 8:44
